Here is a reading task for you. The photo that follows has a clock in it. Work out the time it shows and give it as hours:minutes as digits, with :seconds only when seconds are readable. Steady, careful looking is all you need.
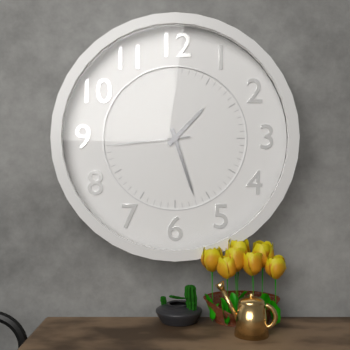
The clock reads 1:27:44
